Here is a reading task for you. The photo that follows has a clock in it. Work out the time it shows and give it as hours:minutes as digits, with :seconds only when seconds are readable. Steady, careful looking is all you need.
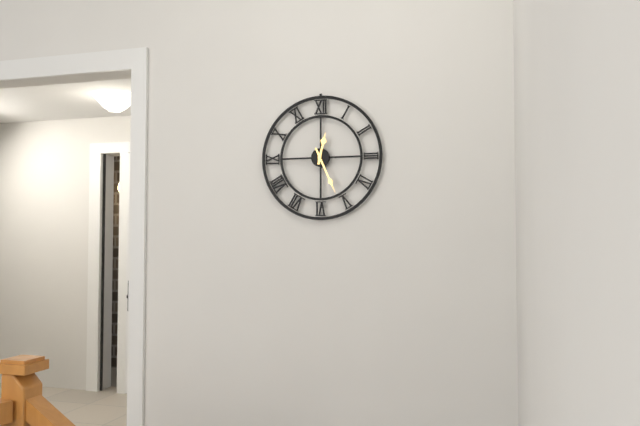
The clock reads 12:26
